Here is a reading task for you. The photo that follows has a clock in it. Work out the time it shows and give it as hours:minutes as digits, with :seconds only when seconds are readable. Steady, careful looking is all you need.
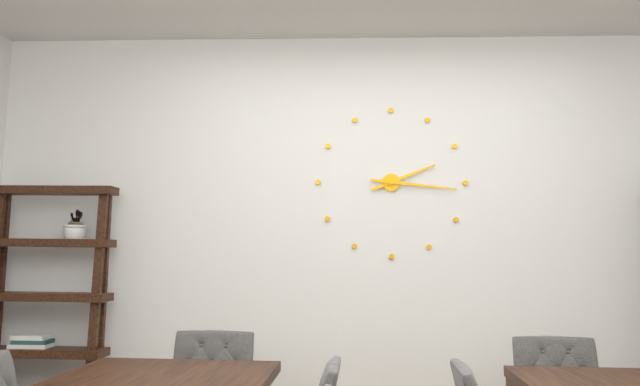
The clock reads 2:16
